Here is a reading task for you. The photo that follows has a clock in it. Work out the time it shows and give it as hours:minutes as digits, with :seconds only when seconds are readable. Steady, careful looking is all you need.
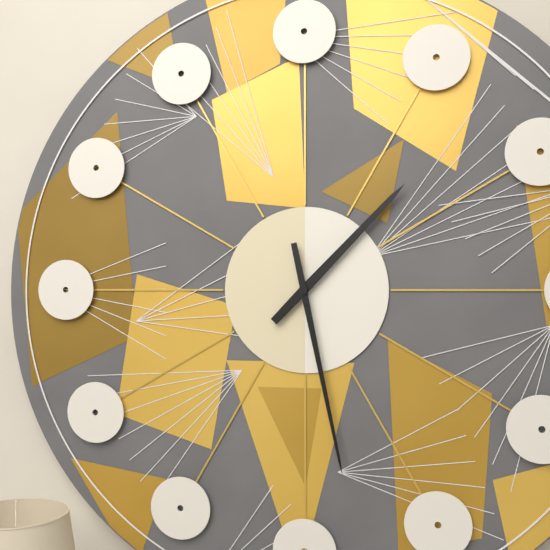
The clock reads 1:28
